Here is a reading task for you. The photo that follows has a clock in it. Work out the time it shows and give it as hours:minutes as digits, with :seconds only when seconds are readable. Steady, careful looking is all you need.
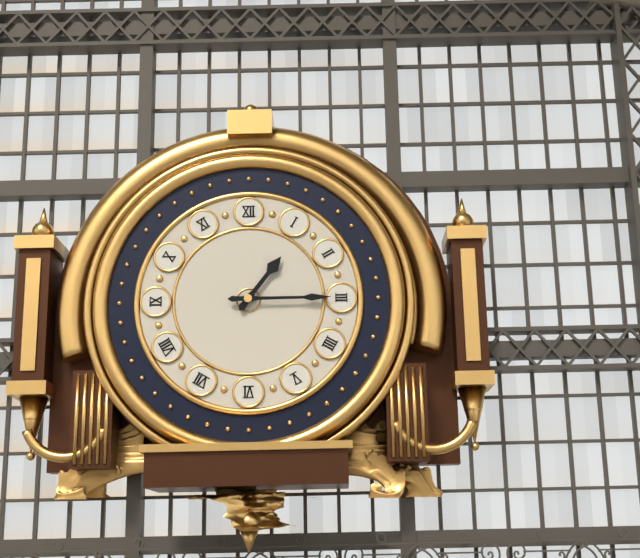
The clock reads 1:15
